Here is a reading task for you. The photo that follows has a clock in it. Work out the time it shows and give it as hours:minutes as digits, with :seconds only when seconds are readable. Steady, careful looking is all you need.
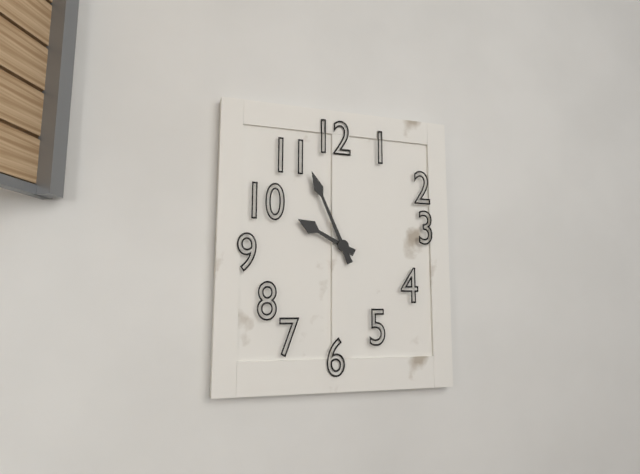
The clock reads 9:56
